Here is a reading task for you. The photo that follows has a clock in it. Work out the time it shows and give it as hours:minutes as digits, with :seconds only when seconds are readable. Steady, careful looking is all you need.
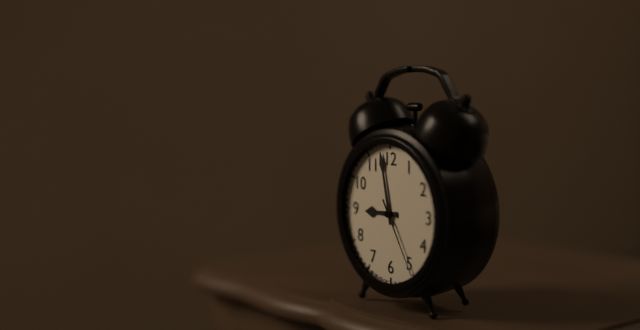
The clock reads 8:58:25
